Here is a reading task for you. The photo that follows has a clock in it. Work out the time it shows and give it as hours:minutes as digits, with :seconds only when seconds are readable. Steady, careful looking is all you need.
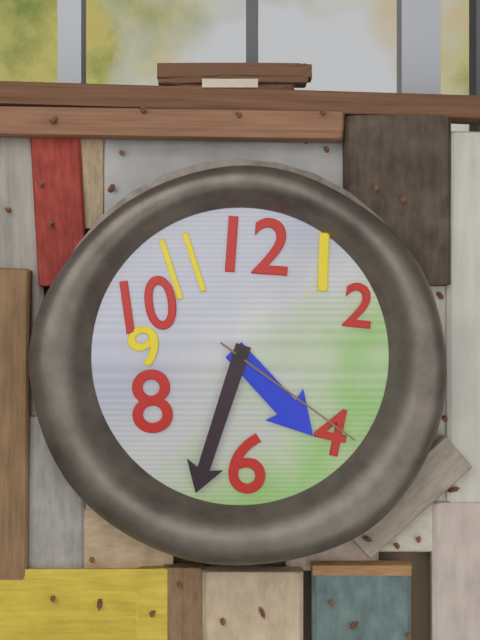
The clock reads 4:33:21
